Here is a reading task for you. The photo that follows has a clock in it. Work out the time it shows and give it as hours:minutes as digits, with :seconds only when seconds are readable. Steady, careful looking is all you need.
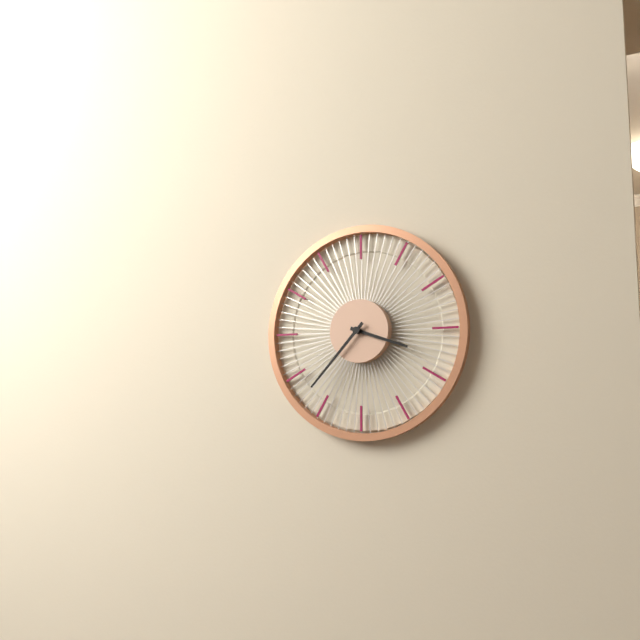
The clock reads 3:37
